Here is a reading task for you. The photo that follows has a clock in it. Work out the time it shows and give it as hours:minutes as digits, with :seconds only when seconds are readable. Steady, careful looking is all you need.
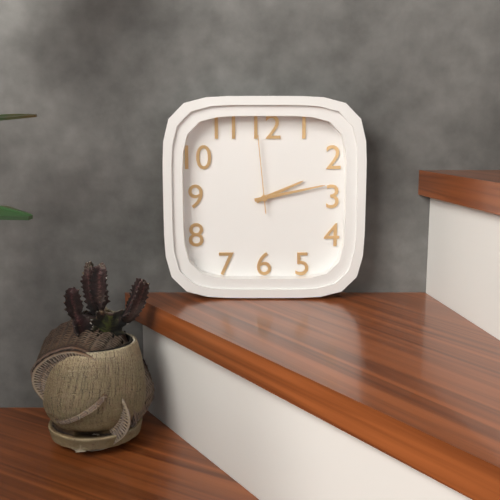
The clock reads 2:13:59
